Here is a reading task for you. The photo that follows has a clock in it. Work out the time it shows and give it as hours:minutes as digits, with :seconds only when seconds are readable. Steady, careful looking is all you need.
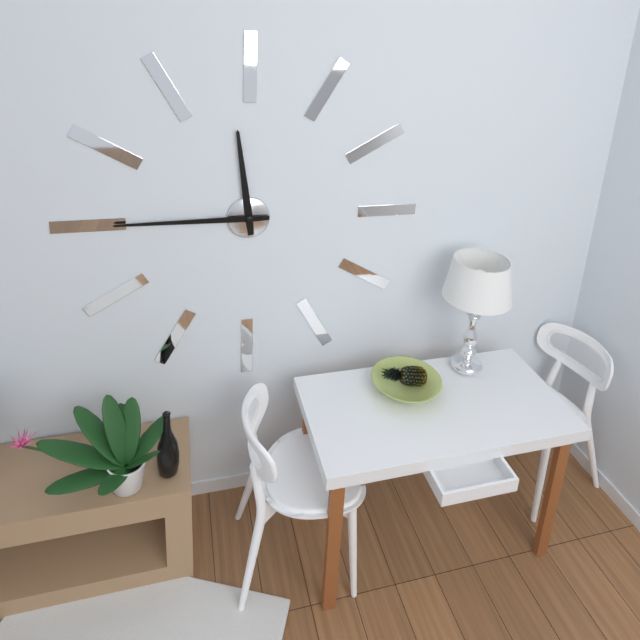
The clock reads 11:45
